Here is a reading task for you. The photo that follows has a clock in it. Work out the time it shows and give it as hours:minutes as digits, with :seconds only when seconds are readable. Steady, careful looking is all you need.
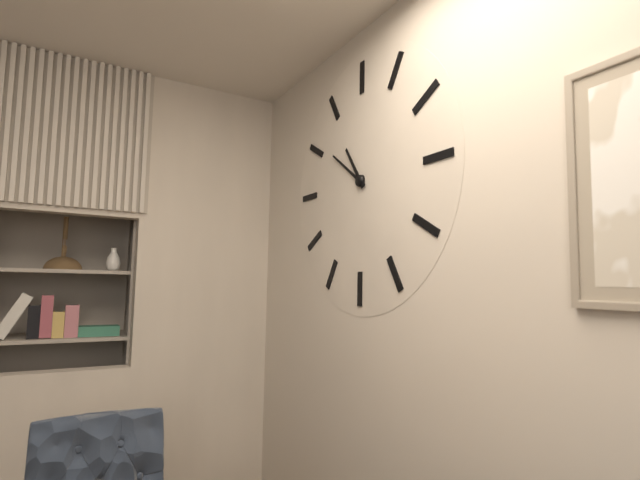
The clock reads 10:51
